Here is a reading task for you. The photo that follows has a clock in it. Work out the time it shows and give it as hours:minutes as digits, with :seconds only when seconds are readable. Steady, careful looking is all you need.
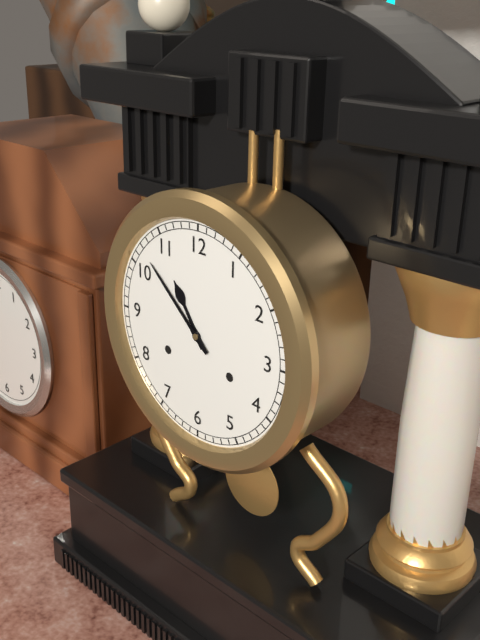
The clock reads 10:52
